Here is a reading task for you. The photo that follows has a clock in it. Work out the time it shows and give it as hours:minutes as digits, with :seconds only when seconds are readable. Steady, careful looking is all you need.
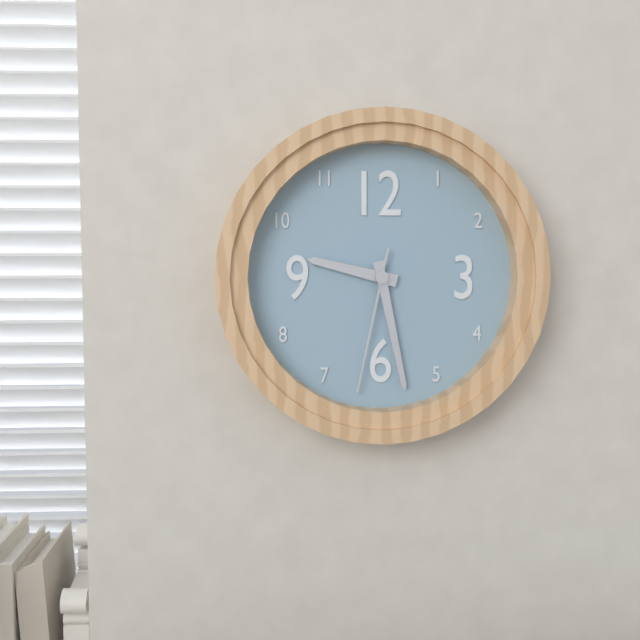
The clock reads 9:28:32
